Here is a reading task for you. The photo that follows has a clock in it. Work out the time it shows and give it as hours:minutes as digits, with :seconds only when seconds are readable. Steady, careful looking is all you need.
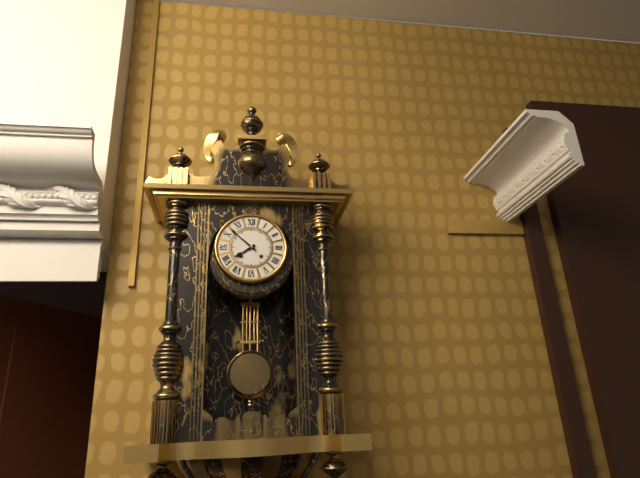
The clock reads 7:52
